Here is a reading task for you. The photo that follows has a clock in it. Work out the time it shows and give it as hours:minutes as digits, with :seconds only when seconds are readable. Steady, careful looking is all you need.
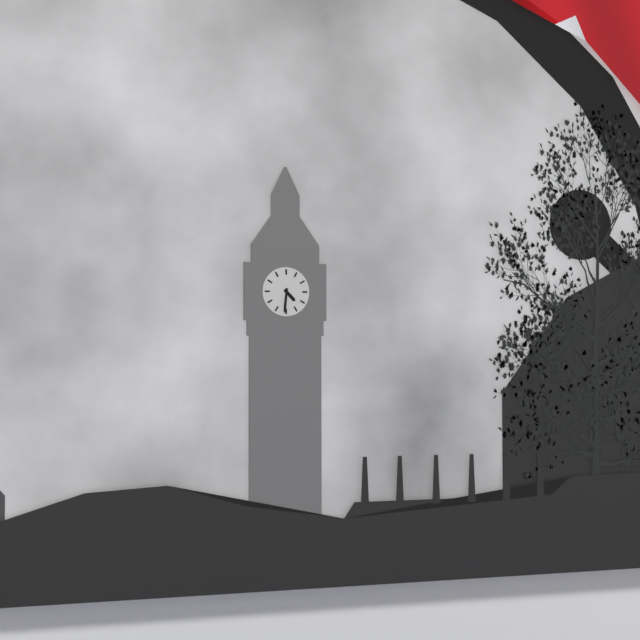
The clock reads 4:31
